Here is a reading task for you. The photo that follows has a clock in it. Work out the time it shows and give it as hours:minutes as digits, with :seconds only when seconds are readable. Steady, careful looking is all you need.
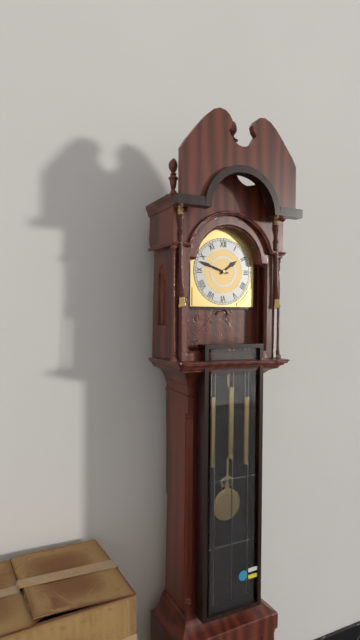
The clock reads 1:48
